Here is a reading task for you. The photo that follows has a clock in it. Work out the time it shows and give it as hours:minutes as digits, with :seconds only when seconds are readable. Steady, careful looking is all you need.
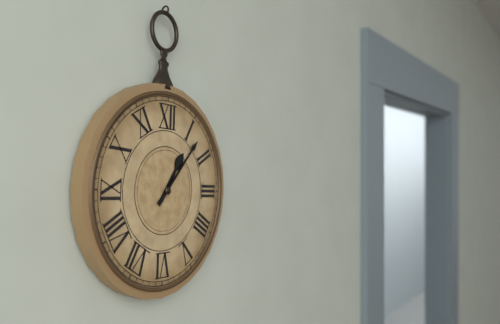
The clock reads 1:07
